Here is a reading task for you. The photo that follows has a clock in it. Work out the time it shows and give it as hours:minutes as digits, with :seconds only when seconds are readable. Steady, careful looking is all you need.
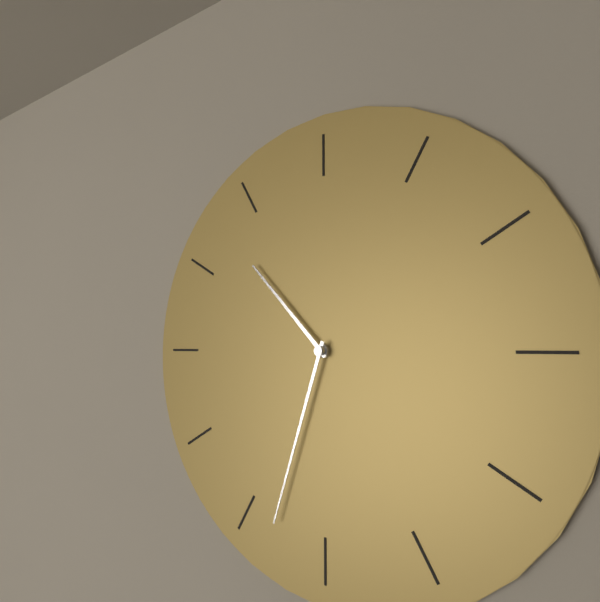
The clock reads 10:33
